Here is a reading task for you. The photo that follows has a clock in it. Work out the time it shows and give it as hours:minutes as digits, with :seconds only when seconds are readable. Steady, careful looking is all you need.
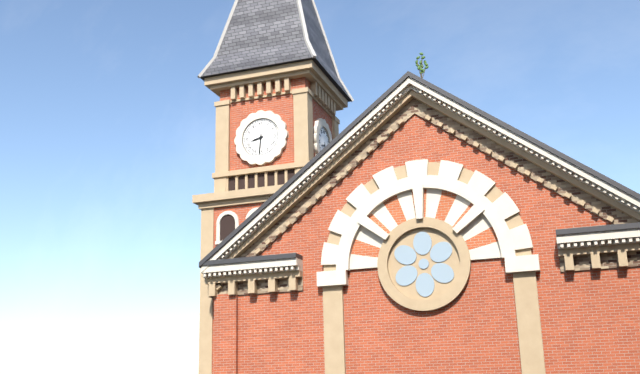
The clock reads 8:31
